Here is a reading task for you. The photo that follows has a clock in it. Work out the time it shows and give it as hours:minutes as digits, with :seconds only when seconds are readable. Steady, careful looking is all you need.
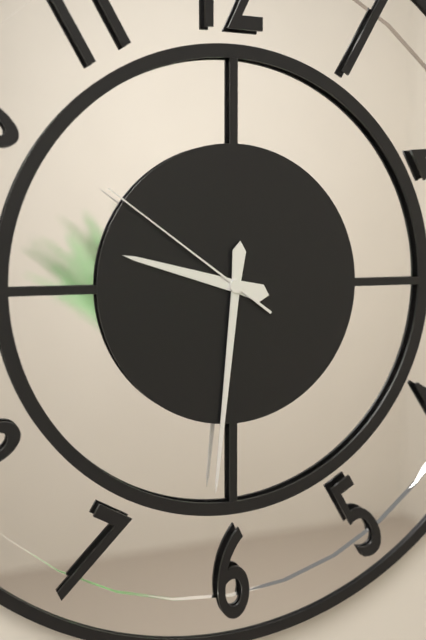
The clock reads 9:31:51
